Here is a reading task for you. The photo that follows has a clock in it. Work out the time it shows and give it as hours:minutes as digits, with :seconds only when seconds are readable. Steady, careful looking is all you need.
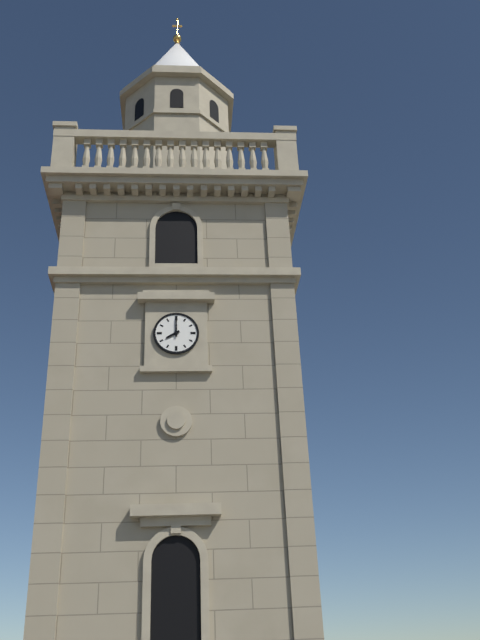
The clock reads 8:00
